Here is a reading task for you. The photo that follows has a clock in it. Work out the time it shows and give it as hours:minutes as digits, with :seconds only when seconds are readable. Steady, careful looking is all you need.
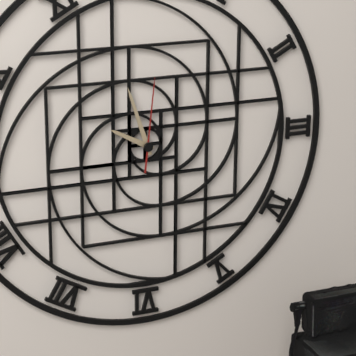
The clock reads 9:57:01
